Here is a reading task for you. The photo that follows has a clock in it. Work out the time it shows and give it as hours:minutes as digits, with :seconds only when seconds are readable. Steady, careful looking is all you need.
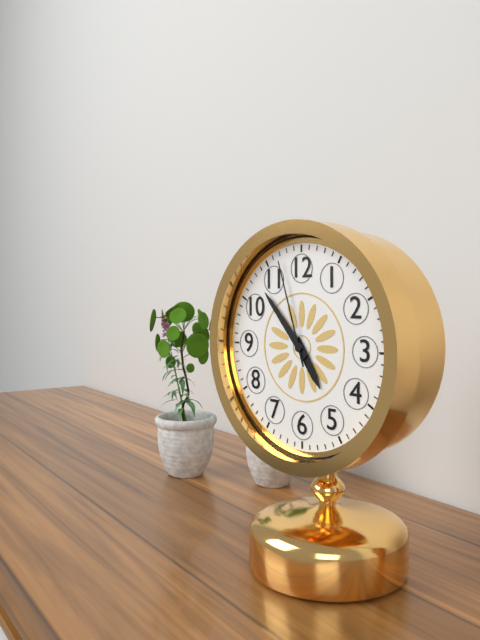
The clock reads 4:53:57
